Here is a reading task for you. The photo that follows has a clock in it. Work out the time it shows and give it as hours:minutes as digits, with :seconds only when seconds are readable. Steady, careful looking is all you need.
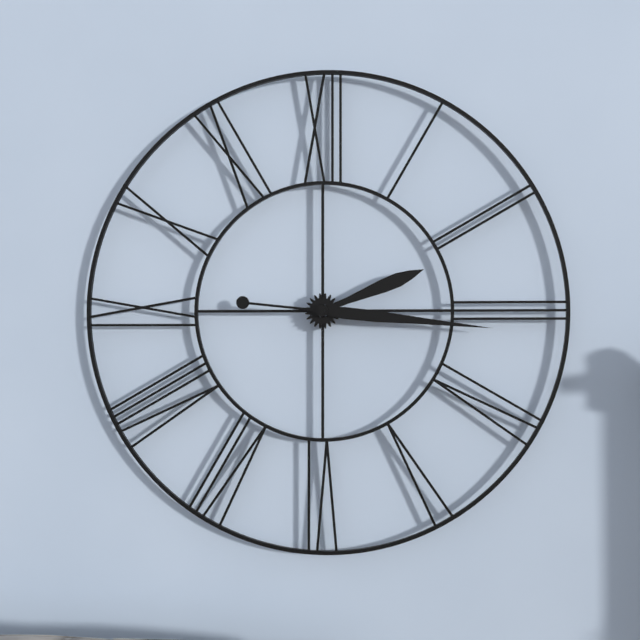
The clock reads 2:16
